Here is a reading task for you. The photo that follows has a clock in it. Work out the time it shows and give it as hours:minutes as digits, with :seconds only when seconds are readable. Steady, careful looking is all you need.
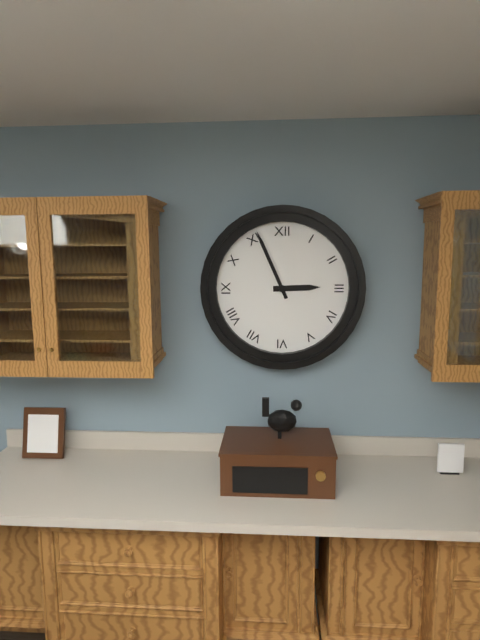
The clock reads 2:56
